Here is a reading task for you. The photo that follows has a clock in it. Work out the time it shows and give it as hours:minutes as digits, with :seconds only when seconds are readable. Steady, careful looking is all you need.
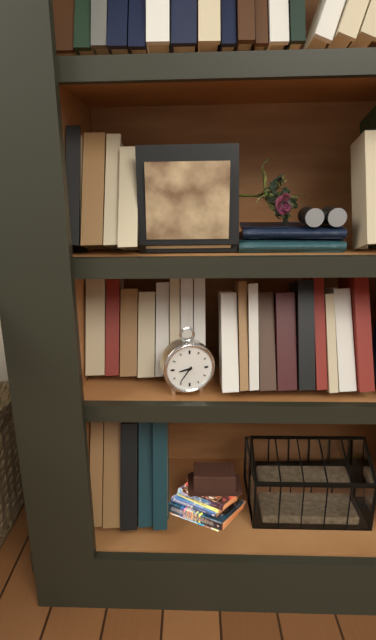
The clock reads 8:36
